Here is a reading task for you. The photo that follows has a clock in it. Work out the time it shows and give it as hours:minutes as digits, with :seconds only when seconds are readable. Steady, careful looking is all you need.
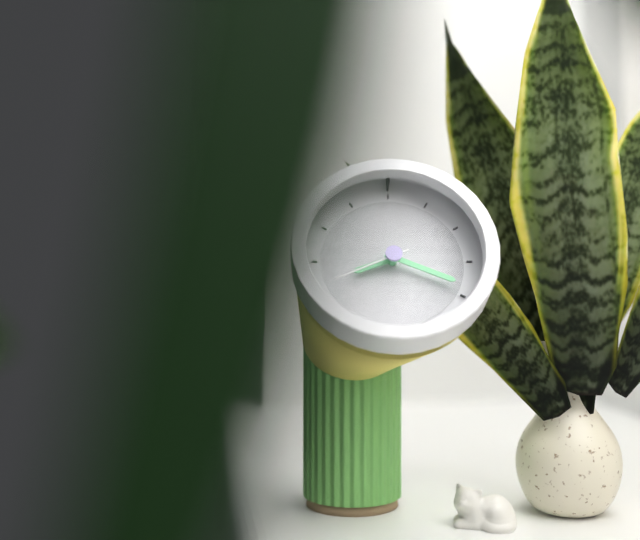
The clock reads 8:19:41
